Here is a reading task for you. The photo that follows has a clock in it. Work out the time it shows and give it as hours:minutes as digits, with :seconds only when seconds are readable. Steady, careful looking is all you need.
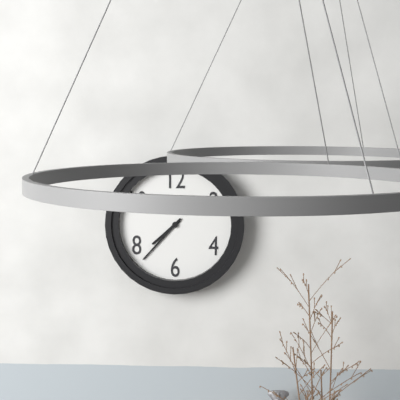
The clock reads 7:37
